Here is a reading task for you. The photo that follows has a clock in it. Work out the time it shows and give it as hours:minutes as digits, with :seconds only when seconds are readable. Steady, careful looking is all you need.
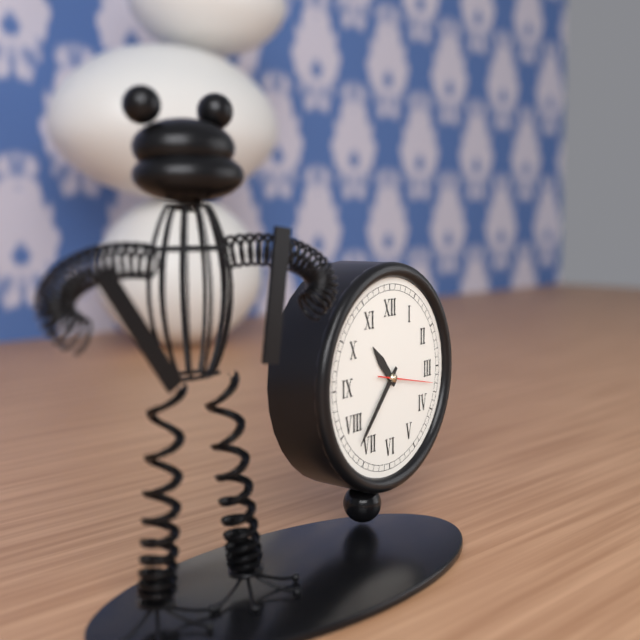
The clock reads 10:37:17
